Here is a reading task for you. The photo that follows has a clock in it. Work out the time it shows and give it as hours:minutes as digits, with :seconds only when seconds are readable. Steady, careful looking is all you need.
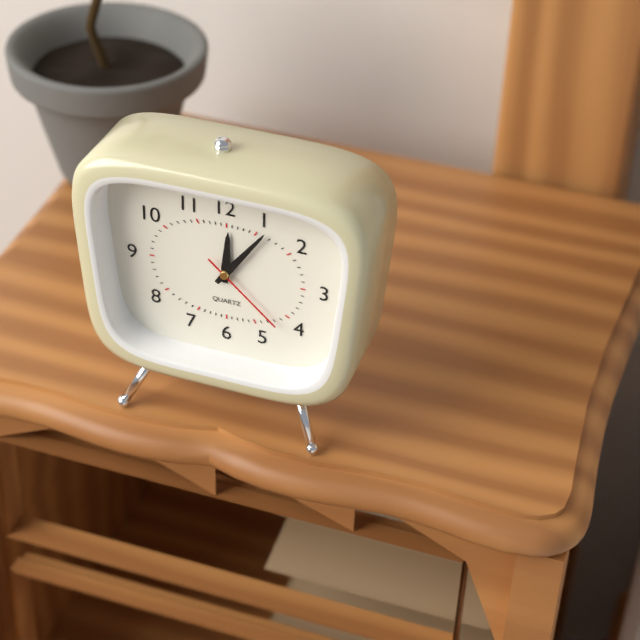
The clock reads 12:06:22
